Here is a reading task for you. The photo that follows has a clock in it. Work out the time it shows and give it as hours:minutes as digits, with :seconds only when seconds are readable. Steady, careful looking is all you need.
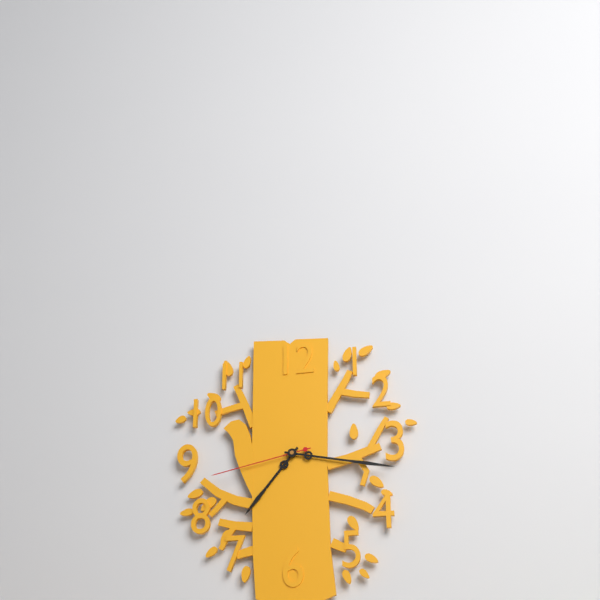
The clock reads 7:17:43
